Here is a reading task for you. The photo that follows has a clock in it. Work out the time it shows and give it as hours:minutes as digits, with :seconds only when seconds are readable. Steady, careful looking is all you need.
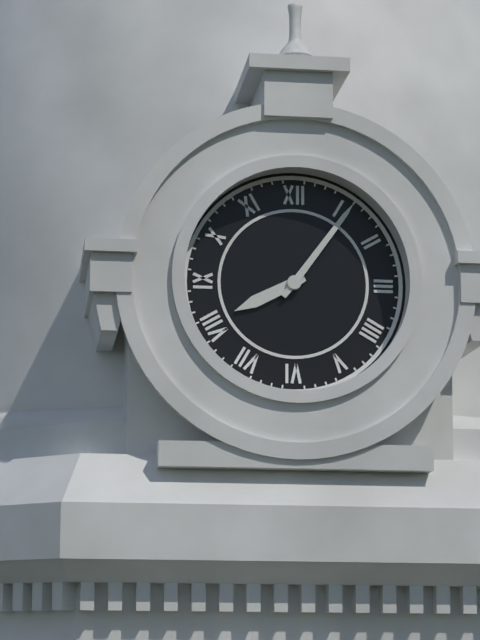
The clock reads 8:06
